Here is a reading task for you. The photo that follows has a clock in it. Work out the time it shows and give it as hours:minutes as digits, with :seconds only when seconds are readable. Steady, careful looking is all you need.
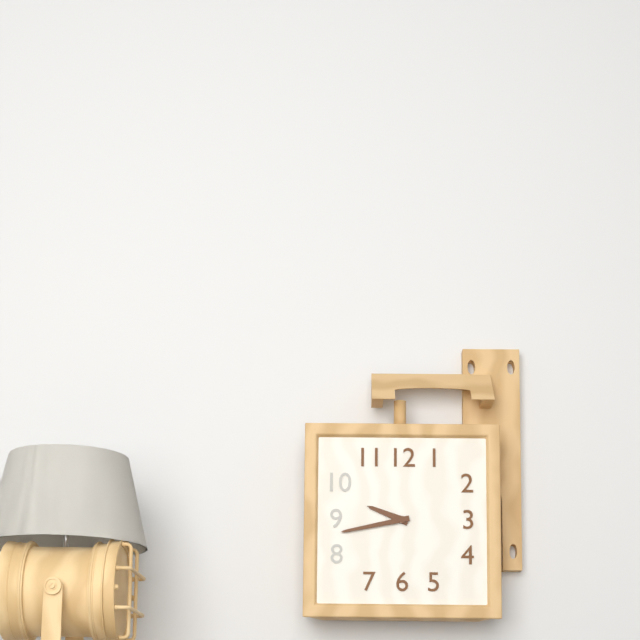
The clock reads 9:43
